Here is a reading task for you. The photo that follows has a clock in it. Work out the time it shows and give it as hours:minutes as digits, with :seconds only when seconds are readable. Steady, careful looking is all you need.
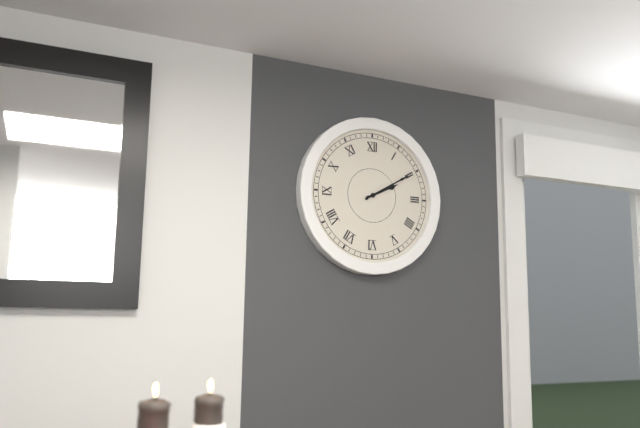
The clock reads 2:10
